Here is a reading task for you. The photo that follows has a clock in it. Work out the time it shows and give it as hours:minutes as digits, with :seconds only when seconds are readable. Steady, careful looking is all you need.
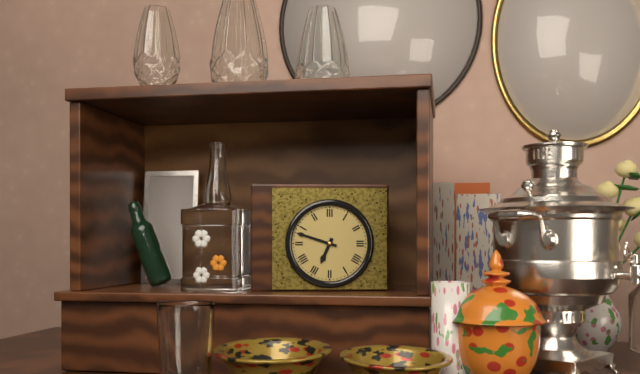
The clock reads 6:48
